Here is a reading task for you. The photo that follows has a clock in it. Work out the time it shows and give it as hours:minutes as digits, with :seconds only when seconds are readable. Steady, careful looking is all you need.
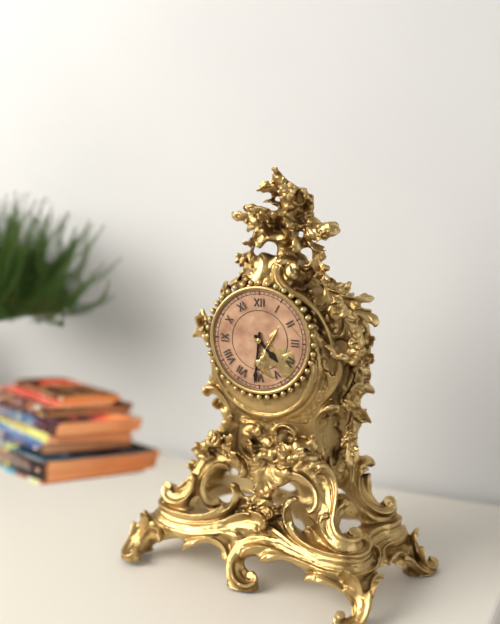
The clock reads 4:31
